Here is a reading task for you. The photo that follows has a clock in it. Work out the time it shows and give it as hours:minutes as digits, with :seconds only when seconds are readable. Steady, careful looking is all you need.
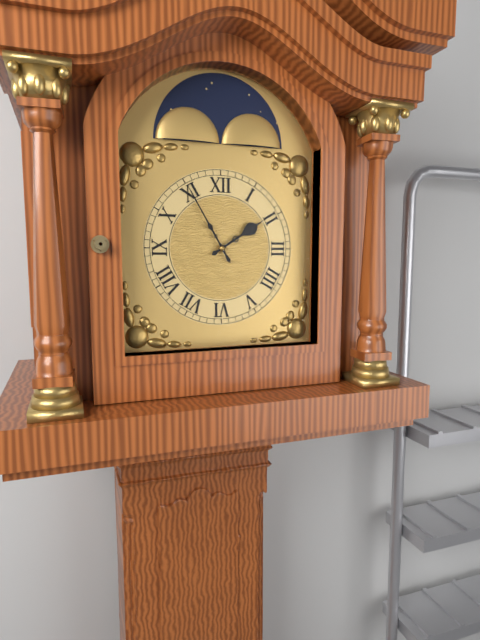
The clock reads 1:55
